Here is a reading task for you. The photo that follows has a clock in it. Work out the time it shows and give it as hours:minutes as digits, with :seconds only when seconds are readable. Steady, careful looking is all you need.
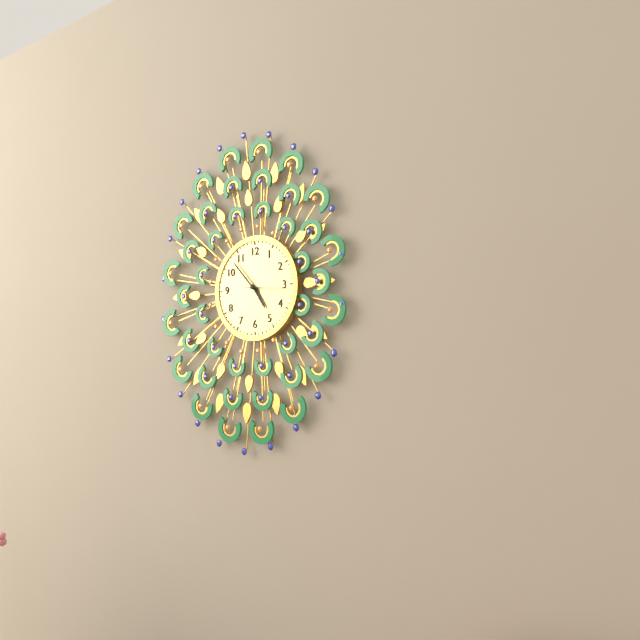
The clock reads 4:53
